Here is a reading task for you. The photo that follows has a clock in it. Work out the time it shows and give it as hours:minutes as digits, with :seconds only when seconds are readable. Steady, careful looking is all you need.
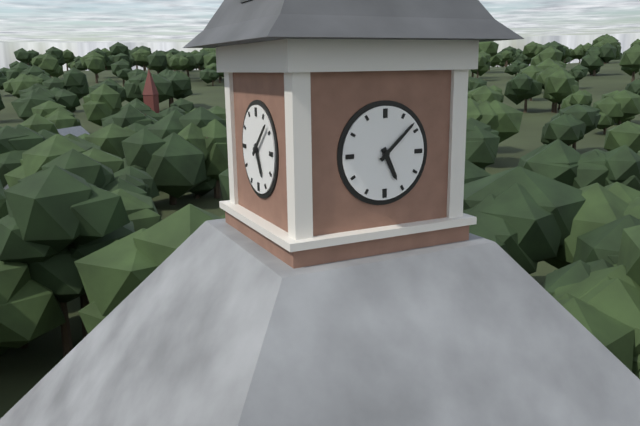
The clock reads 5:08
